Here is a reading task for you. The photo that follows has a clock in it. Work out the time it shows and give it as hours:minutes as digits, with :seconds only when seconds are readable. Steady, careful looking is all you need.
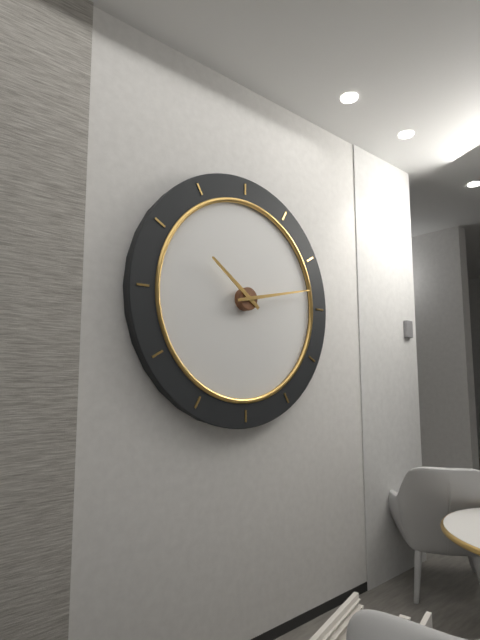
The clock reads 10:13
